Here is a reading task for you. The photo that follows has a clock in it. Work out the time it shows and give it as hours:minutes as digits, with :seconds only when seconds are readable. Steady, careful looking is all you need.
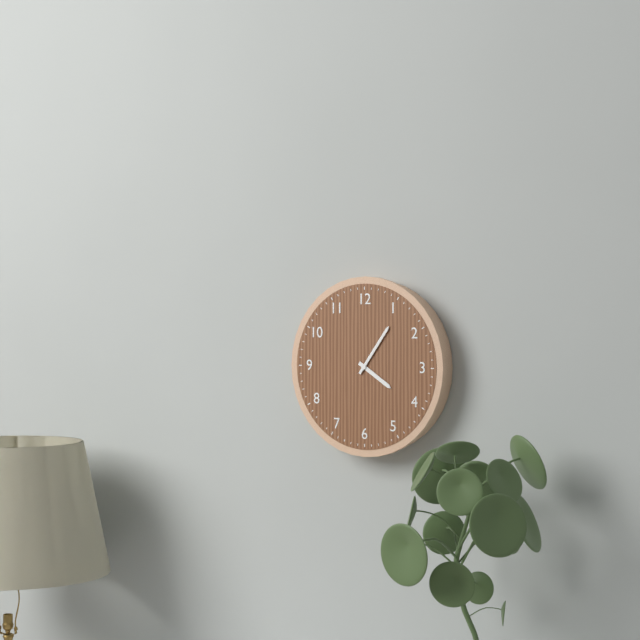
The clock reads 4:06
